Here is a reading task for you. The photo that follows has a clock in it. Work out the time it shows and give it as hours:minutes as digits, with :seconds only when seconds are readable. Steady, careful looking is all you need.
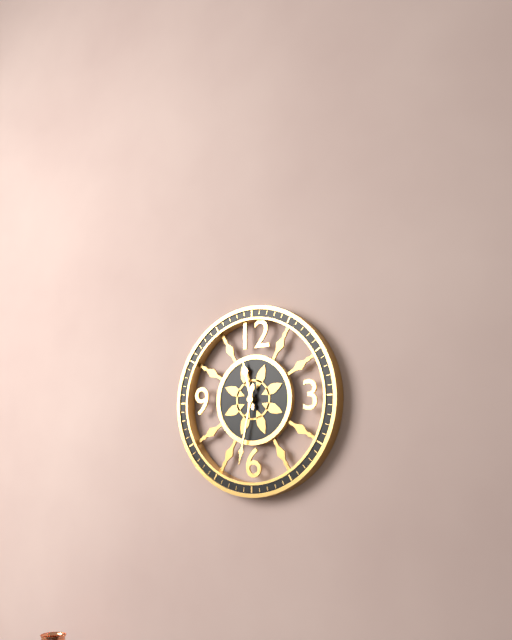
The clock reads 11:32
